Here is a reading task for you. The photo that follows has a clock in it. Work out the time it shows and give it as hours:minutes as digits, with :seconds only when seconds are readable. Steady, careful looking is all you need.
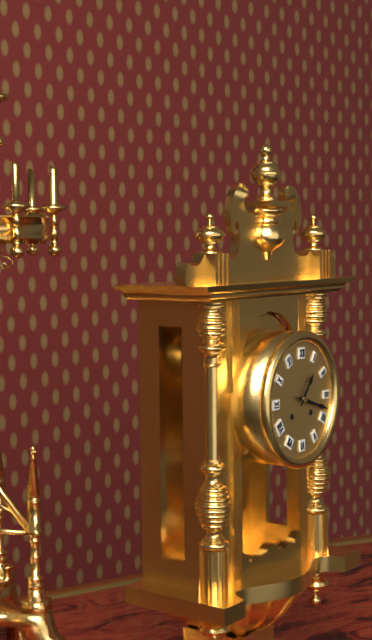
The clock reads 1:18
